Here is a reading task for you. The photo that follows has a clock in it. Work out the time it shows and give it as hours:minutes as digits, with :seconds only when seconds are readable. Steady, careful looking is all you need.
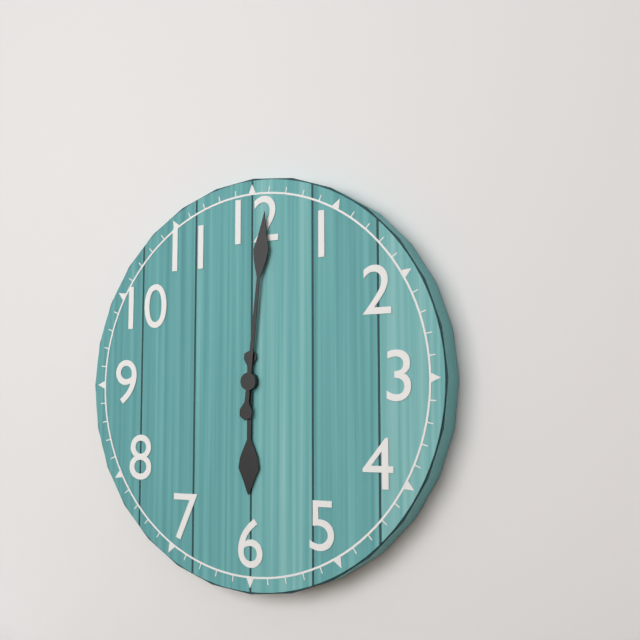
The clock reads 6:01
